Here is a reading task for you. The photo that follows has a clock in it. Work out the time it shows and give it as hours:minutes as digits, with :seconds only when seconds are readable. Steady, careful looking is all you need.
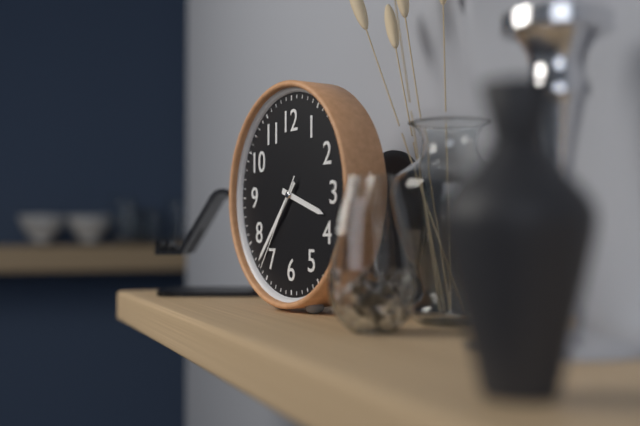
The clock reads 3:37:36
